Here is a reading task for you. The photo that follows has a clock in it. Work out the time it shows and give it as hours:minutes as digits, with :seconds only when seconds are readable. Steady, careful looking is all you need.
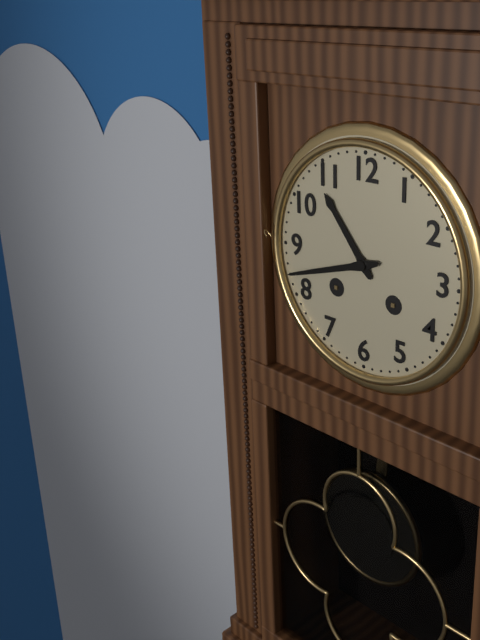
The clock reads 10:42
